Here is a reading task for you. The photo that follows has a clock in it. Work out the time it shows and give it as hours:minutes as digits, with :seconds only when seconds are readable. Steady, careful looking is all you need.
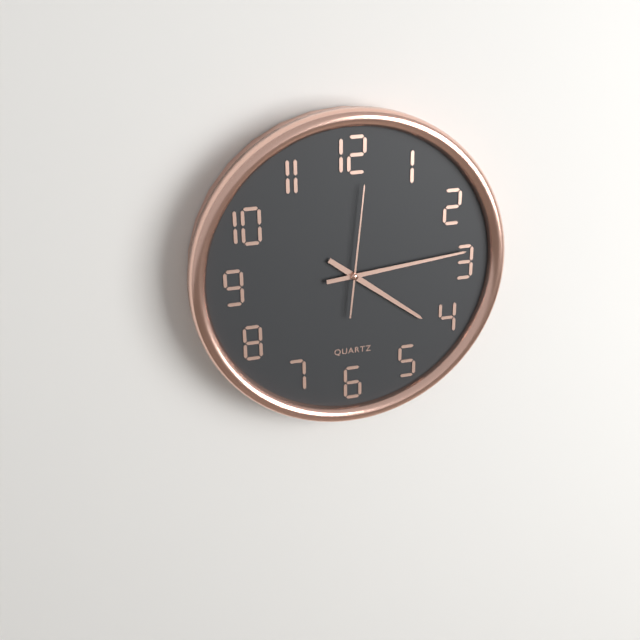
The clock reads 4:14:01
